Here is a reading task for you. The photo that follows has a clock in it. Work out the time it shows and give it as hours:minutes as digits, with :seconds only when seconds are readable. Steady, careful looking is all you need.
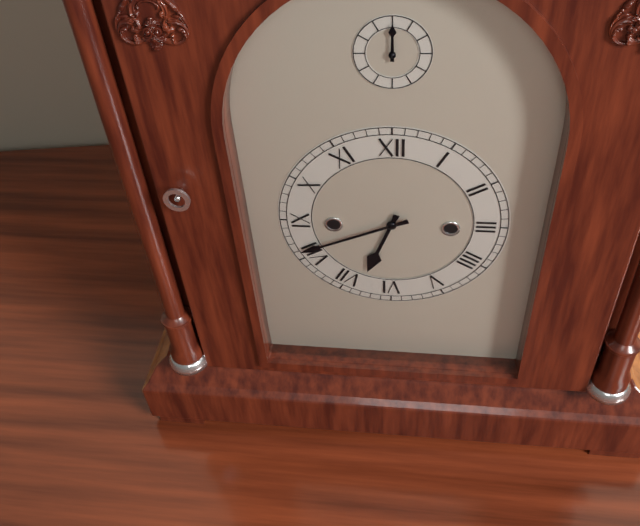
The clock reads 6:41
